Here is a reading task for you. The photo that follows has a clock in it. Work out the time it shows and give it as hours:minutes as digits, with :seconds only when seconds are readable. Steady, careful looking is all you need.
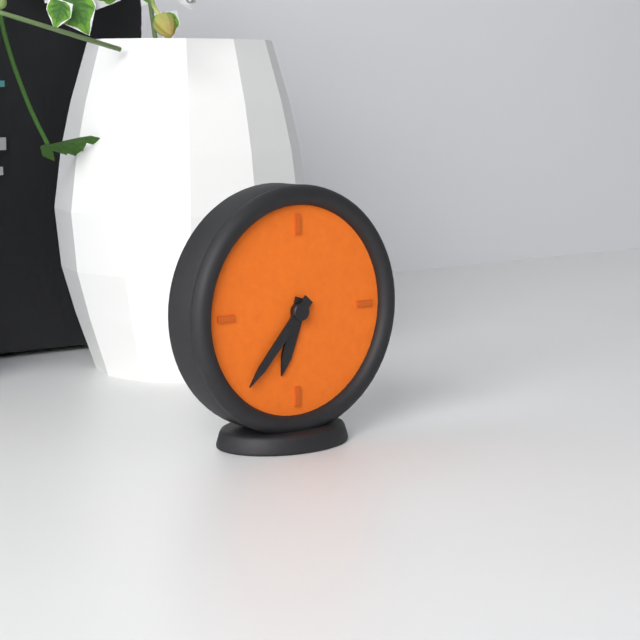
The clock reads 6:37
